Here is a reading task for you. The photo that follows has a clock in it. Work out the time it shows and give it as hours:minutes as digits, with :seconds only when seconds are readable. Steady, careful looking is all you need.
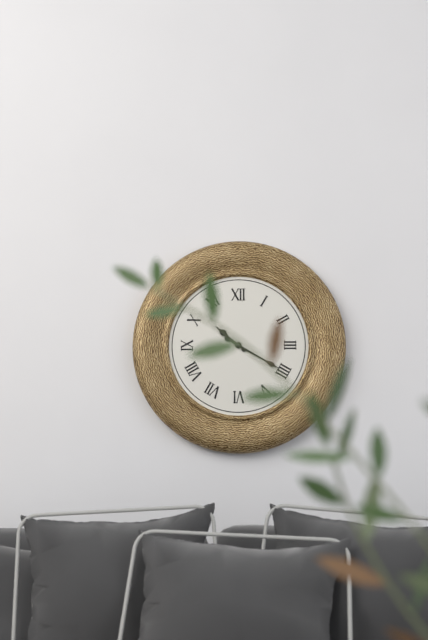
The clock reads 10:20
